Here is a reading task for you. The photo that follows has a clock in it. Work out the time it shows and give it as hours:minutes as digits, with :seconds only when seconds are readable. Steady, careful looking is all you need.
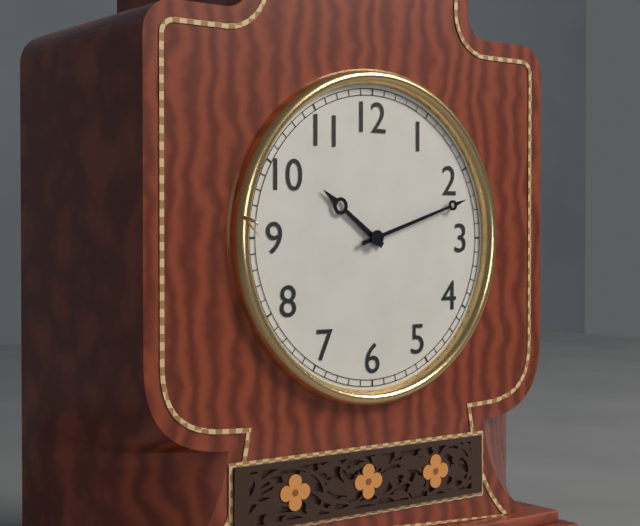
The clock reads 10:12
